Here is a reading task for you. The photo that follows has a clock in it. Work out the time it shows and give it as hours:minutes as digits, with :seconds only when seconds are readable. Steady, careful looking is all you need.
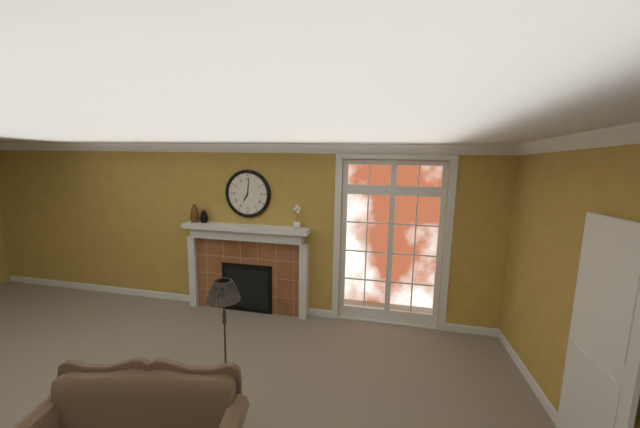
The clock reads 7:01
